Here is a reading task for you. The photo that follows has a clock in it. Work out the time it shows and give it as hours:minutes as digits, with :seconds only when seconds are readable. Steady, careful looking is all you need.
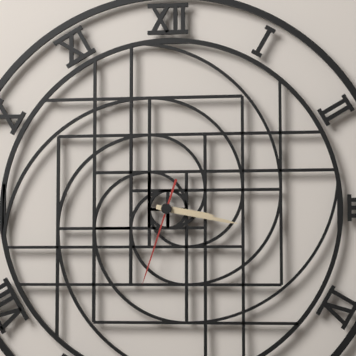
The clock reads 3:17:33
